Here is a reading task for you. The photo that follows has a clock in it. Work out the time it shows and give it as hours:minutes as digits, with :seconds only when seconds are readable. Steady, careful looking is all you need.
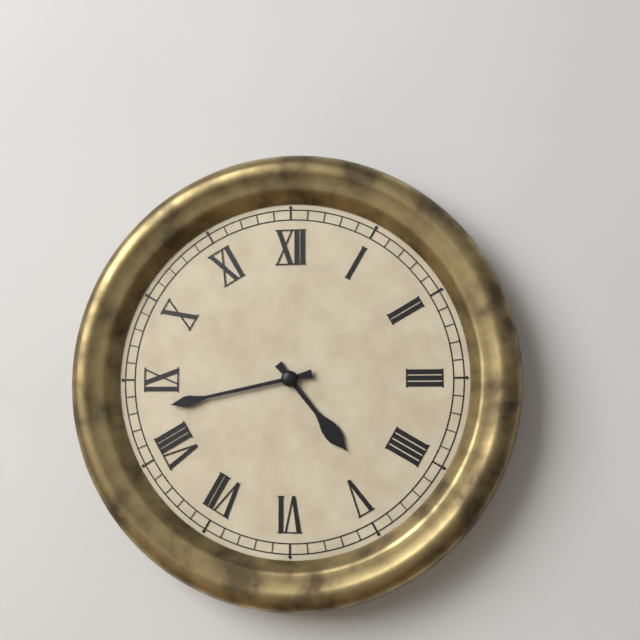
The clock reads 4:43
